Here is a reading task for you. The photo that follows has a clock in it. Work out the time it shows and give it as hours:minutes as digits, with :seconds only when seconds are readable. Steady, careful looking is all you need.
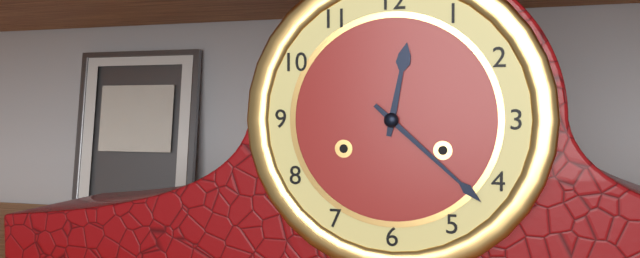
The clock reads 12:22
